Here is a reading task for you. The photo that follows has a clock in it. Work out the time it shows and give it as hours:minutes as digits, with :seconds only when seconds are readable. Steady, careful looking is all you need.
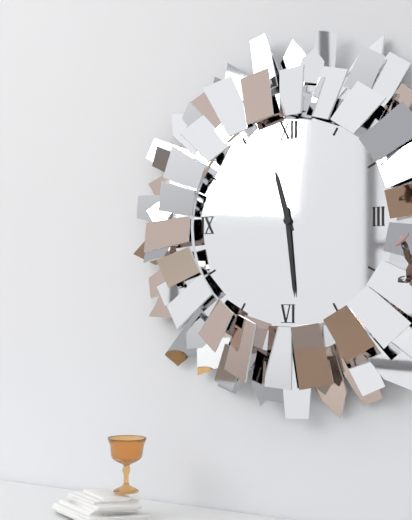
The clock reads 11:29
